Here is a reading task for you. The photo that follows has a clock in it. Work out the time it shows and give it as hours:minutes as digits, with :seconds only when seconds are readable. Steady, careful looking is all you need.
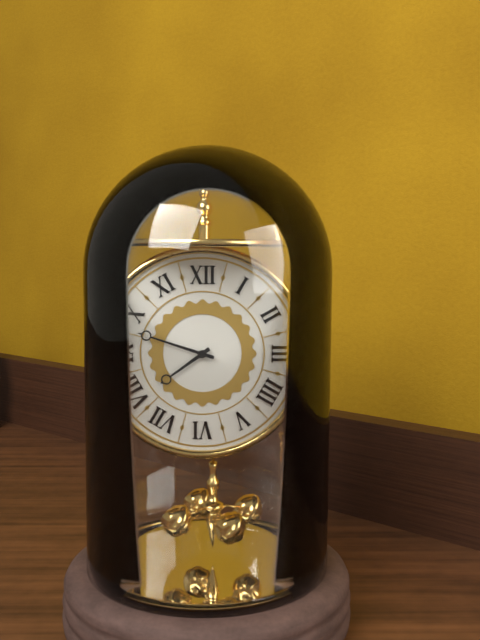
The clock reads 7:48
